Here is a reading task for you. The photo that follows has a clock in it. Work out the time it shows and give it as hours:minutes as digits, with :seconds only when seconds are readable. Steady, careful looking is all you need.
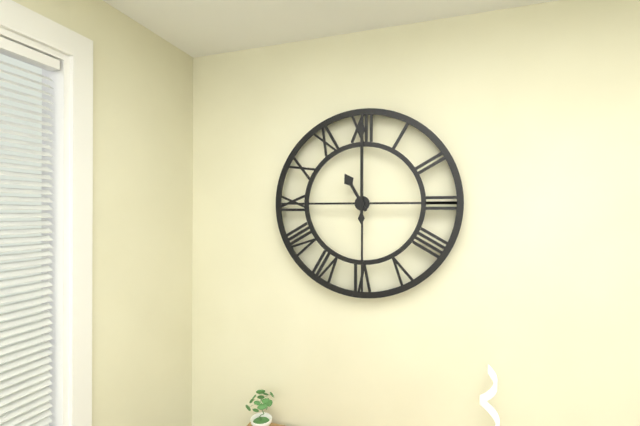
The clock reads 11:00
